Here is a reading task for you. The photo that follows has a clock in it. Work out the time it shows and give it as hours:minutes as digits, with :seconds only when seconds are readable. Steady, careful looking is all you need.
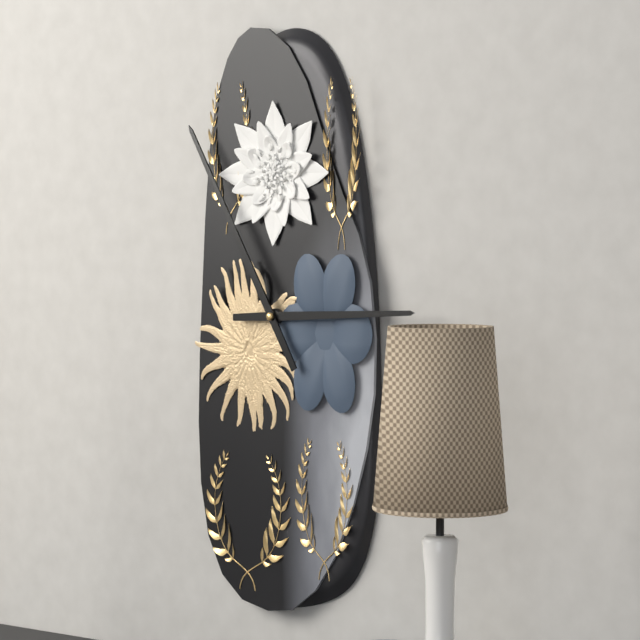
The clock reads 2:55
